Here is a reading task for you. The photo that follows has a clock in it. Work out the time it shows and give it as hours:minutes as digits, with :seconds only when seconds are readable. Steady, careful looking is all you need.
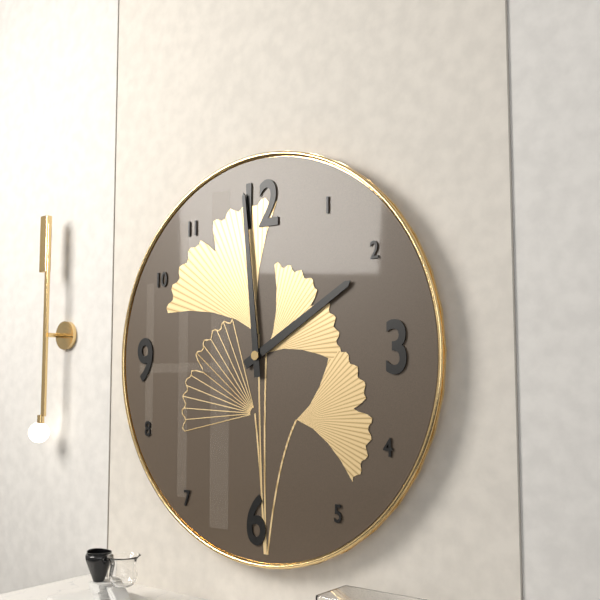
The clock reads 1:59
